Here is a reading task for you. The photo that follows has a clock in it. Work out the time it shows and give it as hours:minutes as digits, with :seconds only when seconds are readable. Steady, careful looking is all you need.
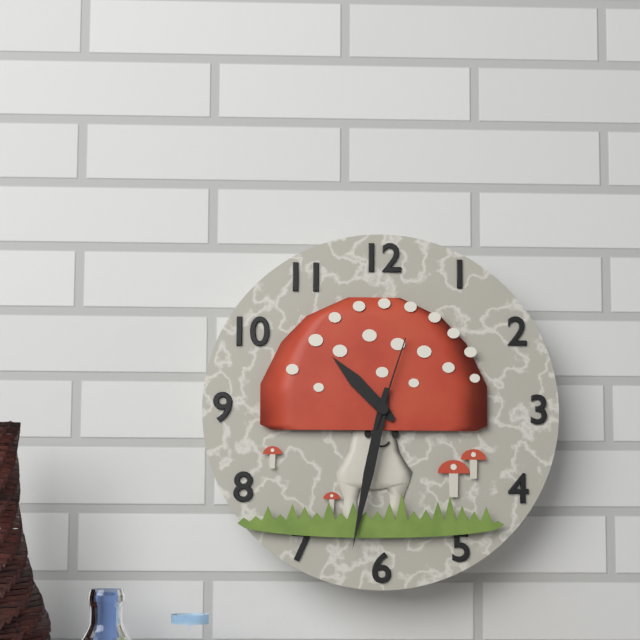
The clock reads 10:32:03
